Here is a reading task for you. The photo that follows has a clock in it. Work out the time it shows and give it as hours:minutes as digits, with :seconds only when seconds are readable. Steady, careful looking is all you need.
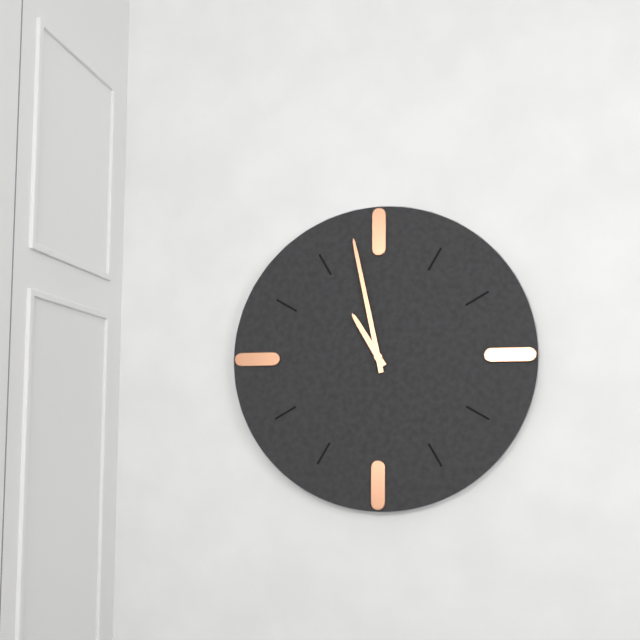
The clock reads 10:58
